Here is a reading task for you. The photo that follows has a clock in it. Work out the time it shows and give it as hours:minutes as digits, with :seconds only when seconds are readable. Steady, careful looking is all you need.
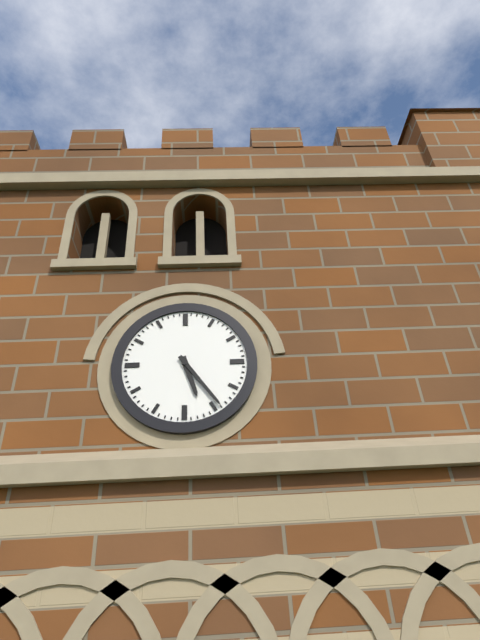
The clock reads 5:24
